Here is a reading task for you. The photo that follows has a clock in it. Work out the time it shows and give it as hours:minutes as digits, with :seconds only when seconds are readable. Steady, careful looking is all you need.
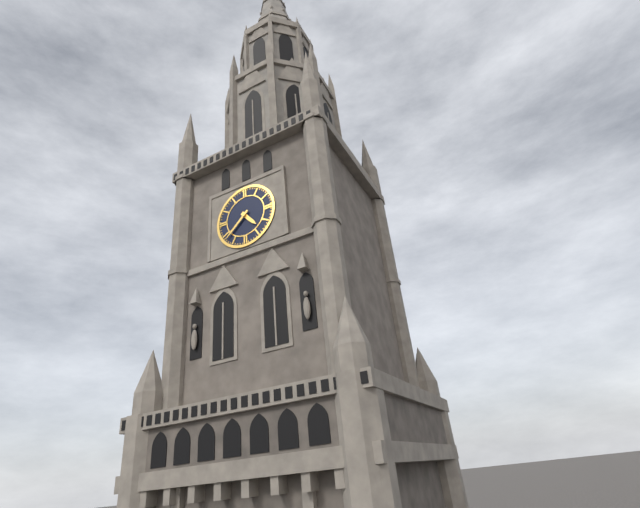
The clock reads 4:38
